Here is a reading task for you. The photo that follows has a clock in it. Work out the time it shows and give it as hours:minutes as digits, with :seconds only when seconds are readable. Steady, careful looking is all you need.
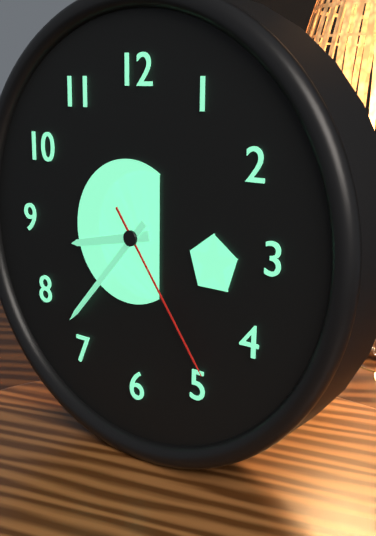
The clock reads 8:37:24
